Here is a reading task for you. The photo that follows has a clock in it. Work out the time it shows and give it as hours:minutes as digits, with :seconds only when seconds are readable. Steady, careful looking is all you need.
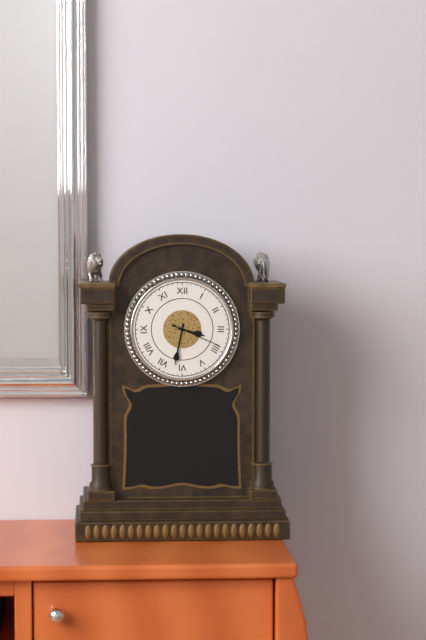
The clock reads 3:32:19
